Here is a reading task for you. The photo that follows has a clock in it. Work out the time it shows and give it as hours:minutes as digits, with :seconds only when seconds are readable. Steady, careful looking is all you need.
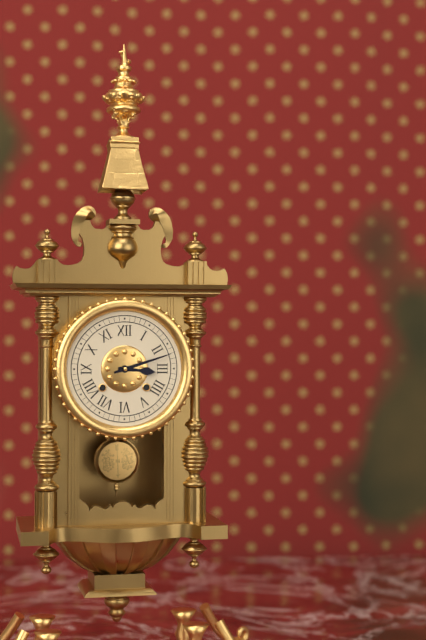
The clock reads 3:12
